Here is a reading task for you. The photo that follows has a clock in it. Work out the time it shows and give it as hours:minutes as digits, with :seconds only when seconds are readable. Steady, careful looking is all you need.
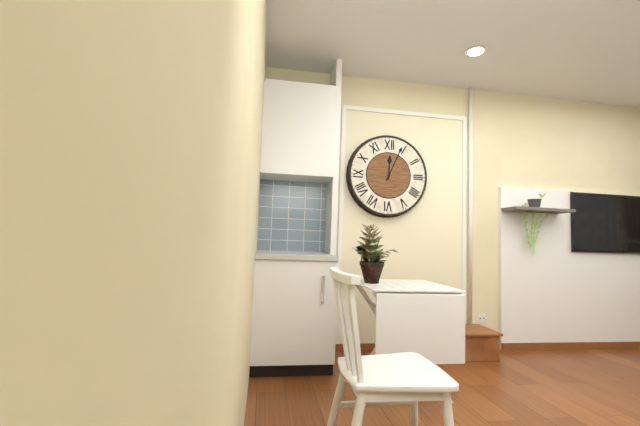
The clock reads 12:04
